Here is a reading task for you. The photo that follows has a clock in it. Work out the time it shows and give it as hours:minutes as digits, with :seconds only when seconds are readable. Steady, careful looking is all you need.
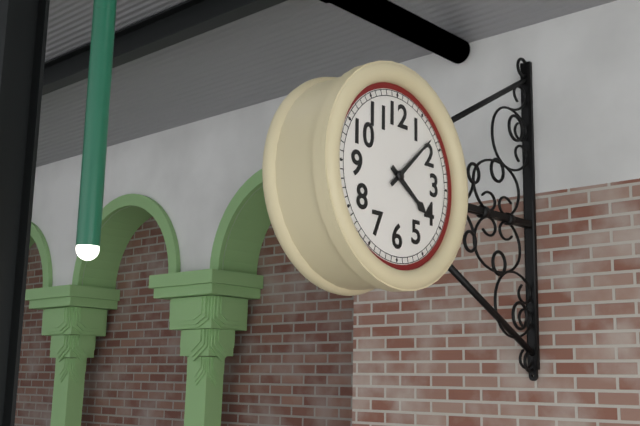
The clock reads 4:08
